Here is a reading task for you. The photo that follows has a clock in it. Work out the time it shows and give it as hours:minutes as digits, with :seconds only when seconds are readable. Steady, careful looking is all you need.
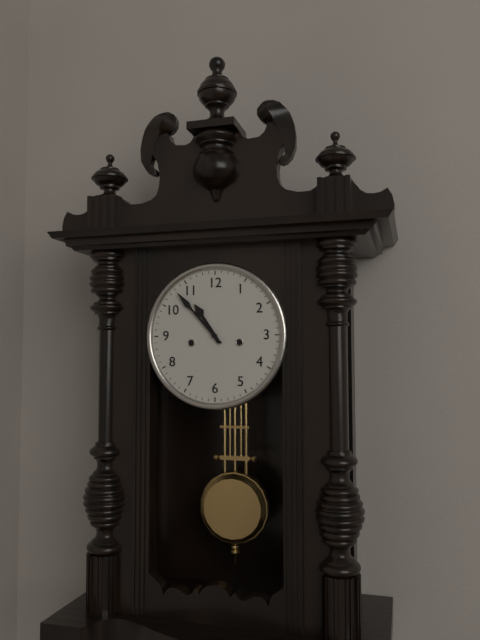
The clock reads 10:53
